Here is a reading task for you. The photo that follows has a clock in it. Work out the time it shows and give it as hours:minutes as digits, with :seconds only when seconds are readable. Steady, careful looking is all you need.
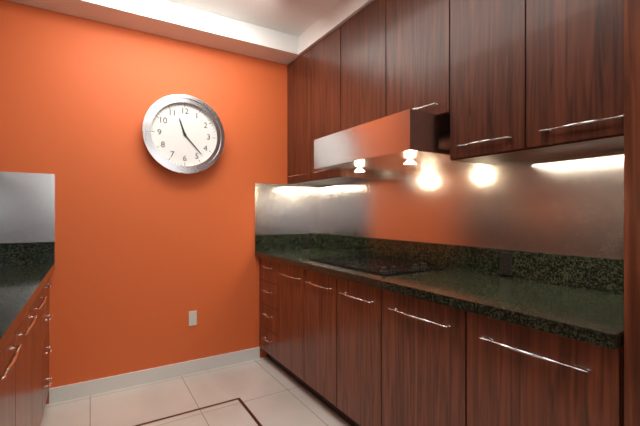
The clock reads 11:23
